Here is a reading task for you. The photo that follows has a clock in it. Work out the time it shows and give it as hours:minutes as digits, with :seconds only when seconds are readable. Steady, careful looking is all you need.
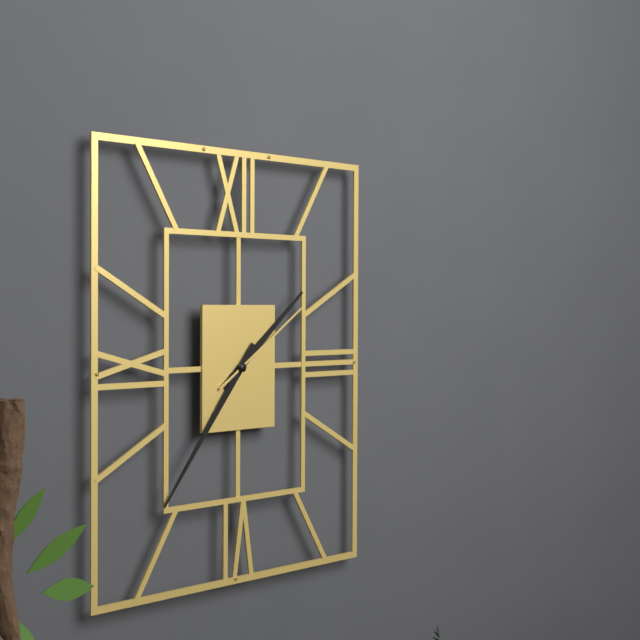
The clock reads 1:36:09
